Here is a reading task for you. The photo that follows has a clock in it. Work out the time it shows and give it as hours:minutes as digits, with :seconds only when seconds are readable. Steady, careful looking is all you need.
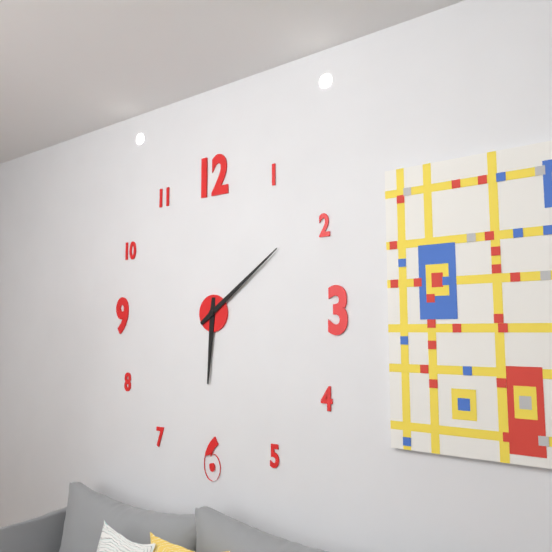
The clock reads 6:09
